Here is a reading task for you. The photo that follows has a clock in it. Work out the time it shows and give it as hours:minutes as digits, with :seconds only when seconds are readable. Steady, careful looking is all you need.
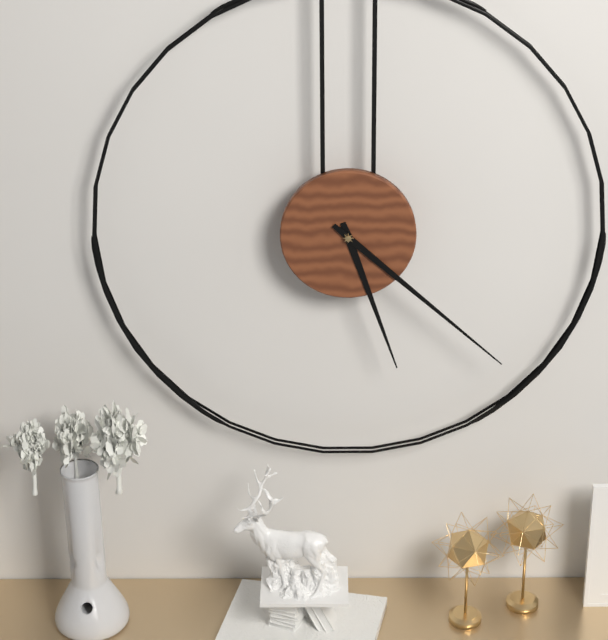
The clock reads 5:22
